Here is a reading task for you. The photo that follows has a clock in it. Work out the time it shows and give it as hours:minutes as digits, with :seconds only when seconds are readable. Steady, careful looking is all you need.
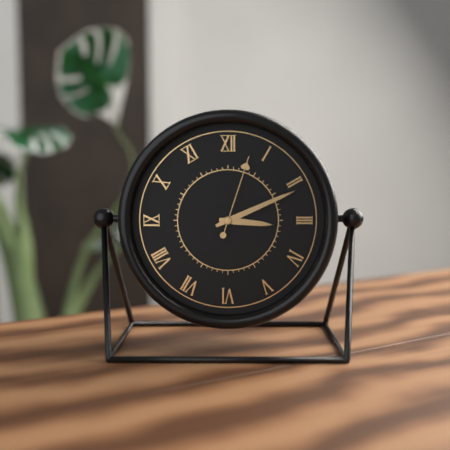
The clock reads 3:11:03
